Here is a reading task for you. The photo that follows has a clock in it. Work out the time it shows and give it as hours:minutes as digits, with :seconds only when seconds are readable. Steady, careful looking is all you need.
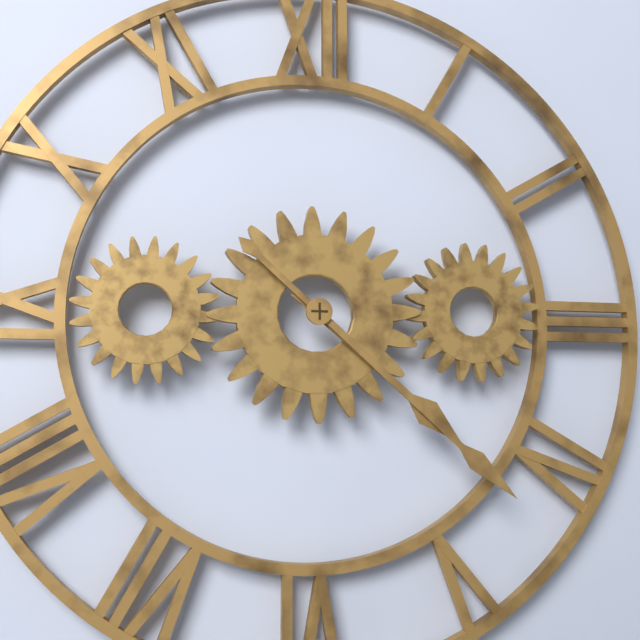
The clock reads 4:22
